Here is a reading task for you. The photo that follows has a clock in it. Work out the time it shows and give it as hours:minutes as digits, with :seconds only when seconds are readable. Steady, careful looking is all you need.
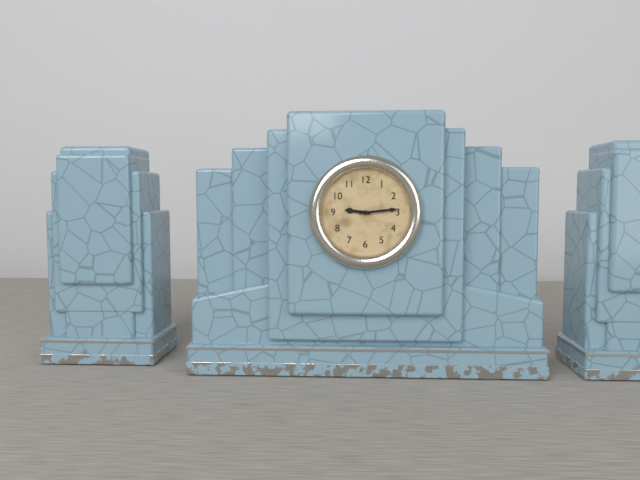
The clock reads 9:14
